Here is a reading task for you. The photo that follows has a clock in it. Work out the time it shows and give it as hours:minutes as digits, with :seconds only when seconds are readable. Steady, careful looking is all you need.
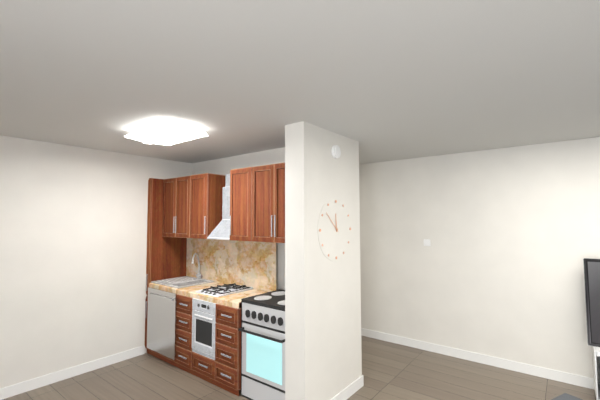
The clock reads 11:52
